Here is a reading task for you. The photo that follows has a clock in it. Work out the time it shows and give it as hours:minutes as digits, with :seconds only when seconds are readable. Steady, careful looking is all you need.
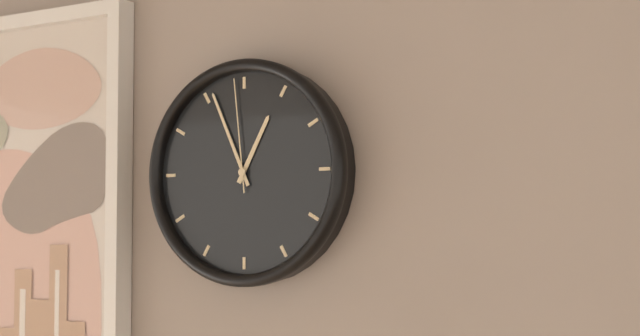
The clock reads 12:56:59
